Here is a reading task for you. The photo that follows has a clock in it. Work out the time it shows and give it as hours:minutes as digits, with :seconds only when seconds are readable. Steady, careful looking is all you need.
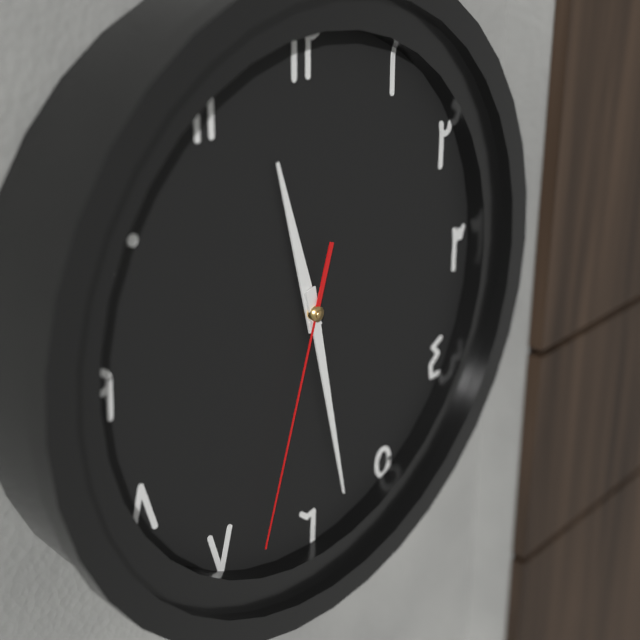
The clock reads 11:28:33
